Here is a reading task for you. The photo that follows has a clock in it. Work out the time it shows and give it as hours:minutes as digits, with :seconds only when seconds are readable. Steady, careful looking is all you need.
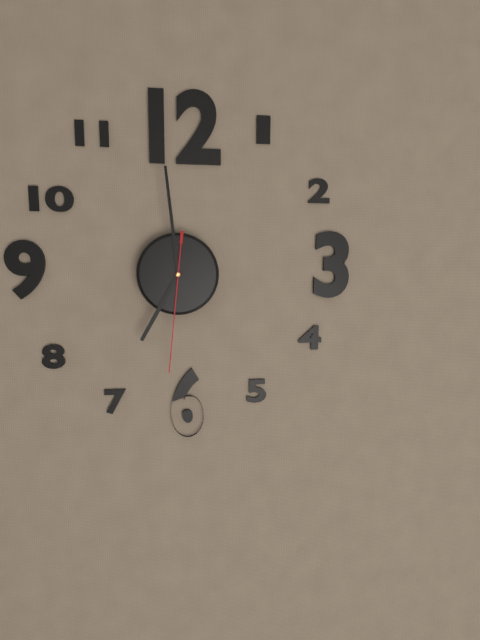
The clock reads 6:59:31
